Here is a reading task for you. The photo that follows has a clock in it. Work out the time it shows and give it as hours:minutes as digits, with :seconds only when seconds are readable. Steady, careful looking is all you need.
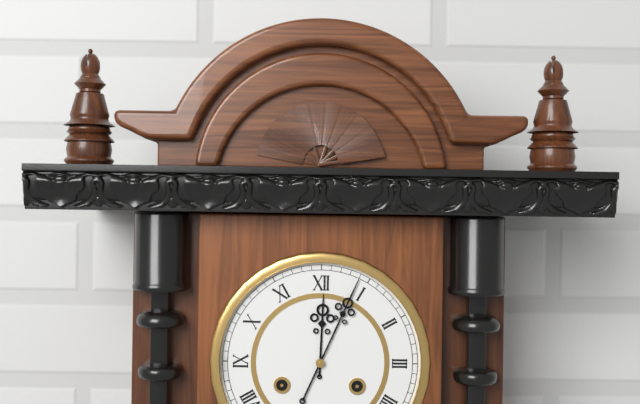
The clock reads 12:04
